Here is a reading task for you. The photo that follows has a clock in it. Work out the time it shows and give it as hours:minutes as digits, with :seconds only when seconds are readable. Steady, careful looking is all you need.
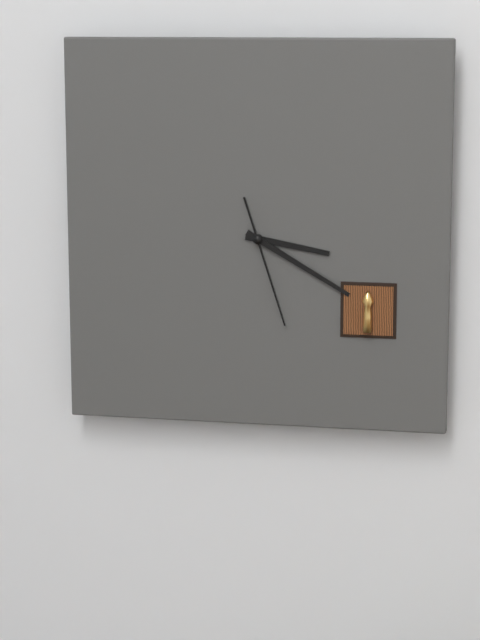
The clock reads 3:20:27
